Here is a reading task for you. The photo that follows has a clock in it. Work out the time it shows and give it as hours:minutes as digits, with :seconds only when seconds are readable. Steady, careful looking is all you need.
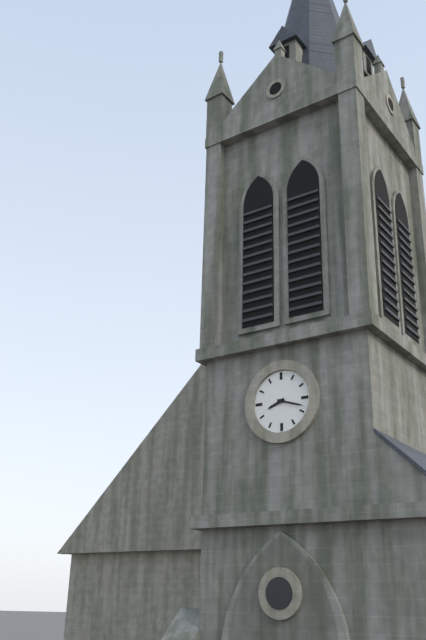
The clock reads 8:18
